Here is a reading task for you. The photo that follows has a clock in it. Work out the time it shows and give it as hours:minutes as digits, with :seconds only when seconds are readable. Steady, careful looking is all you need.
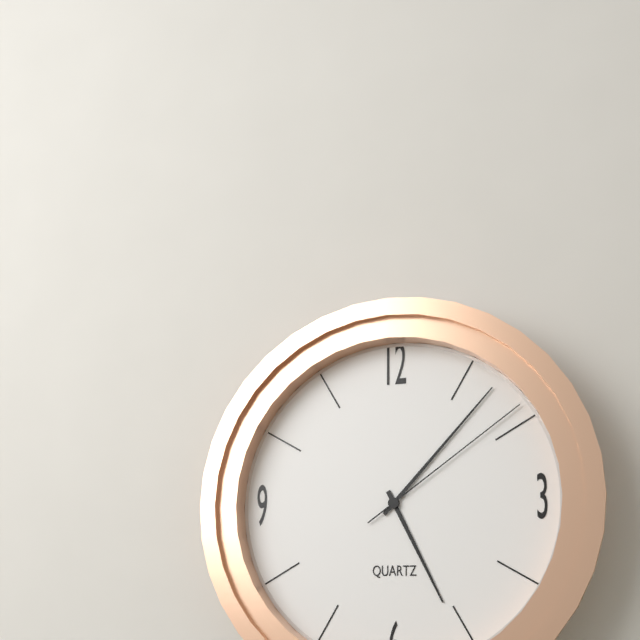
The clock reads 5:07:09
